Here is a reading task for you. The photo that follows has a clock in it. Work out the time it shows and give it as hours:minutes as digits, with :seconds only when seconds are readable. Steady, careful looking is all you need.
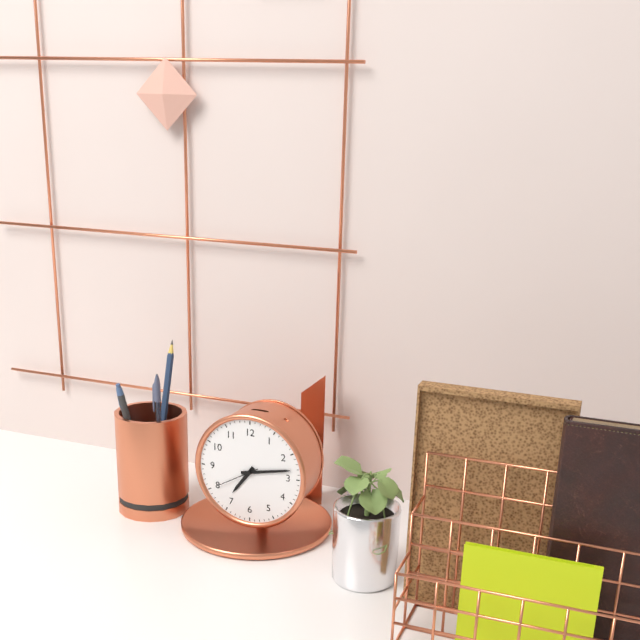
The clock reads 7:13
